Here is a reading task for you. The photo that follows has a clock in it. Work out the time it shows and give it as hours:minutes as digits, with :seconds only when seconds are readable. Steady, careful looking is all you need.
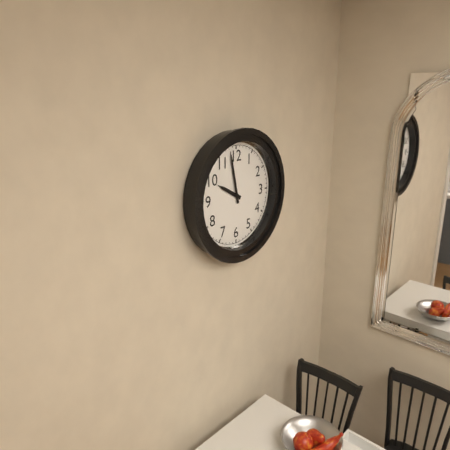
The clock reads 9:58
